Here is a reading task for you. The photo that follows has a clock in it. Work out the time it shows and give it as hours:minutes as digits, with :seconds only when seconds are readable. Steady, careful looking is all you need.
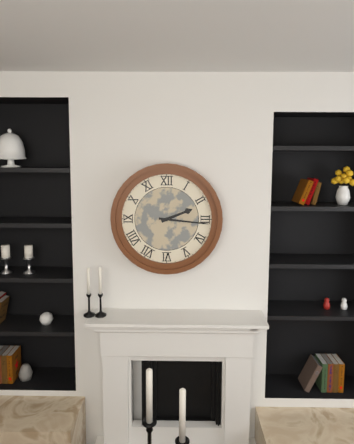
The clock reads 2:16
